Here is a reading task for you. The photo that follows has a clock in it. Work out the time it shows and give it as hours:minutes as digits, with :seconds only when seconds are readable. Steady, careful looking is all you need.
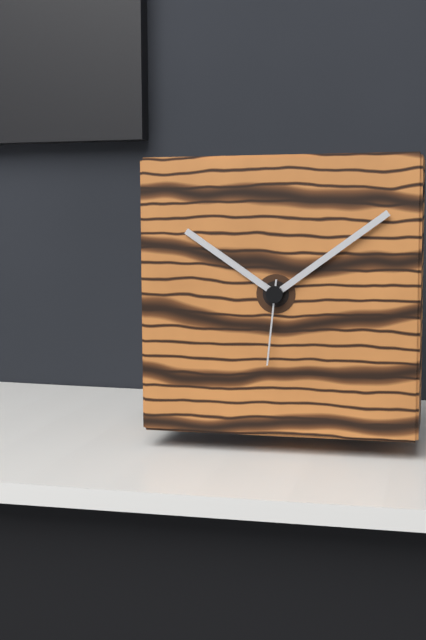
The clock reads 10:09:31
